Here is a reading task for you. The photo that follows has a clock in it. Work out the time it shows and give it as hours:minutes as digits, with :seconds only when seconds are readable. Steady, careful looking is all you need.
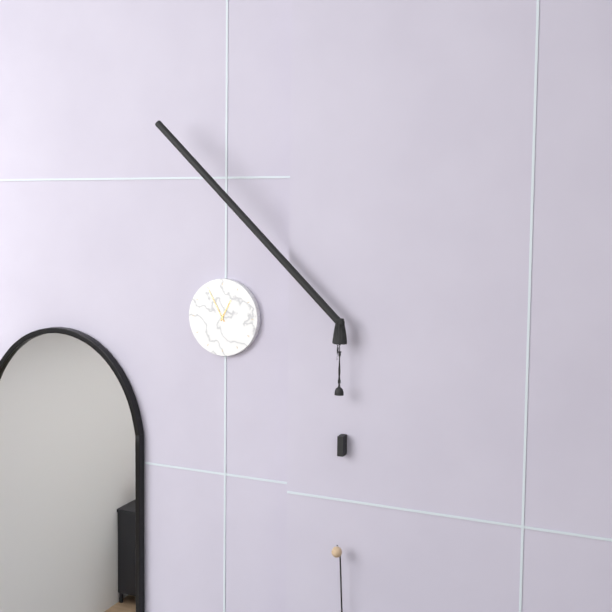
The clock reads 12:55
